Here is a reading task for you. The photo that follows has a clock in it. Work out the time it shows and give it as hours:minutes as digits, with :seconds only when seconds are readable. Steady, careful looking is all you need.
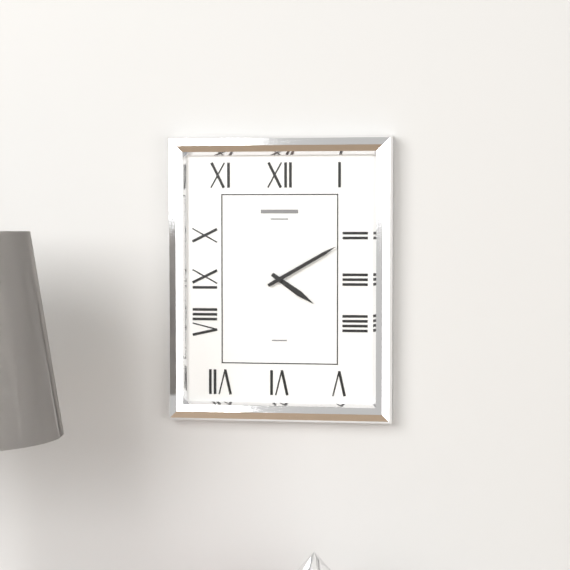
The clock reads 4:10
